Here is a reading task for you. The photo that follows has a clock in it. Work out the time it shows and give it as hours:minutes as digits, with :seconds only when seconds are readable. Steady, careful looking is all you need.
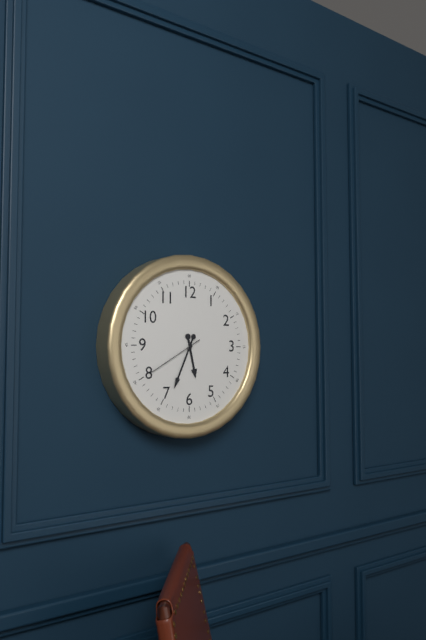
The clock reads 5:34:40
